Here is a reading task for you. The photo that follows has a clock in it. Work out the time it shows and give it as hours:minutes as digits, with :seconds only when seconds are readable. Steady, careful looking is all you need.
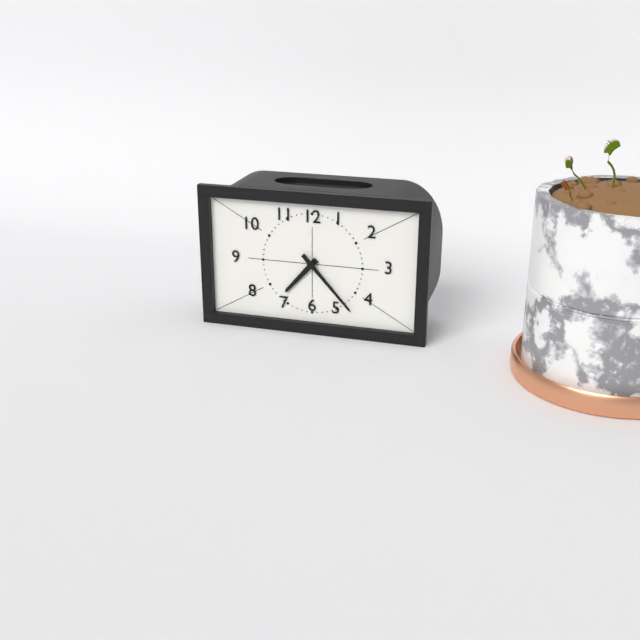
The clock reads 7:23
